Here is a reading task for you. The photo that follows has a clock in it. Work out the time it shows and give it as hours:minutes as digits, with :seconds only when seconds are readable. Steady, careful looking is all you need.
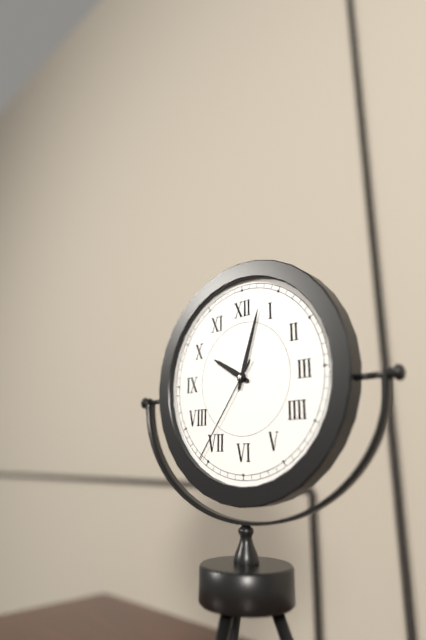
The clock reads 10:03:36
